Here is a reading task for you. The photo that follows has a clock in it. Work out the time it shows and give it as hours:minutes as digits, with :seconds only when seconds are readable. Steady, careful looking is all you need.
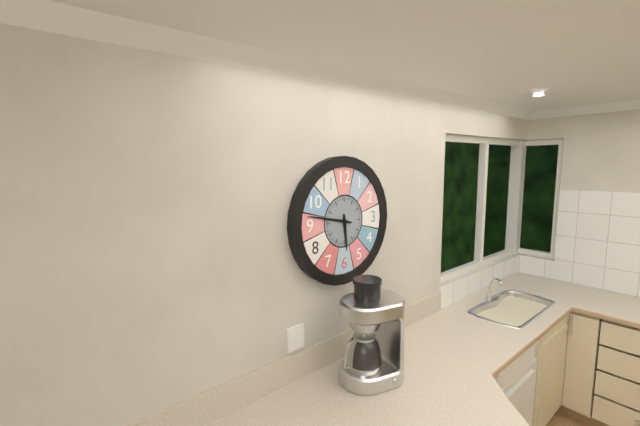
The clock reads 5:47
